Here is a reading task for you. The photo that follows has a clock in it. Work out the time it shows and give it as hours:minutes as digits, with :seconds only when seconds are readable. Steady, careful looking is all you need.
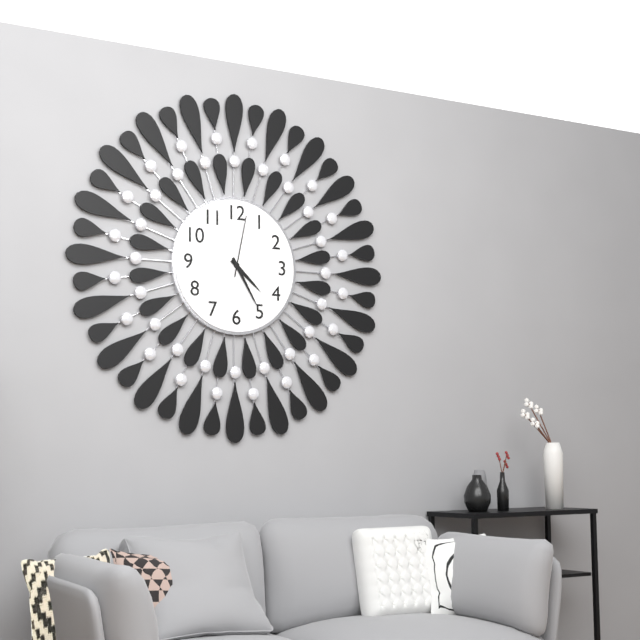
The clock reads 4:25:02
